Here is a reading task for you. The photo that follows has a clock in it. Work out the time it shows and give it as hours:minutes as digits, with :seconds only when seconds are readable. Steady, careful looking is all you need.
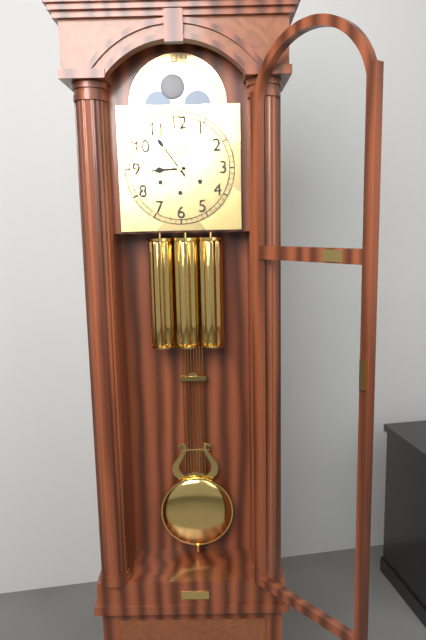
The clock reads 8:54
